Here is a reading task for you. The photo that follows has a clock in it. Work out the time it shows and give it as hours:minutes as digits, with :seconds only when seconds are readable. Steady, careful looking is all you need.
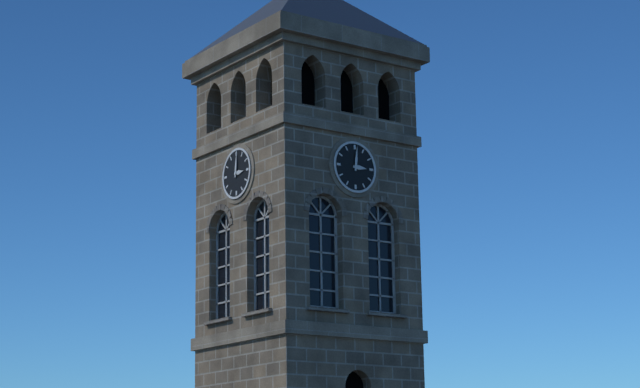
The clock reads 3:01
